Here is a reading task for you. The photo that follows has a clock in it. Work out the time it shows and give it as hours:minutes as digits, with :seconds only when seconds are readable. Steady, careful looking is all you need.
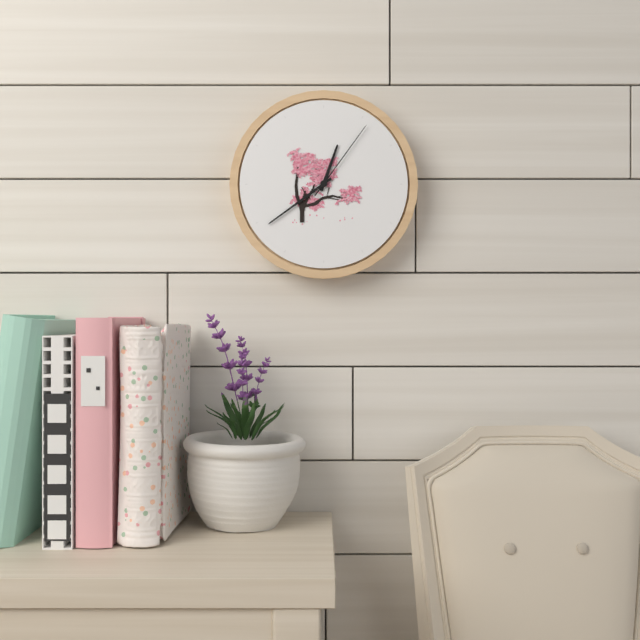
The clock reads 12:39:06
